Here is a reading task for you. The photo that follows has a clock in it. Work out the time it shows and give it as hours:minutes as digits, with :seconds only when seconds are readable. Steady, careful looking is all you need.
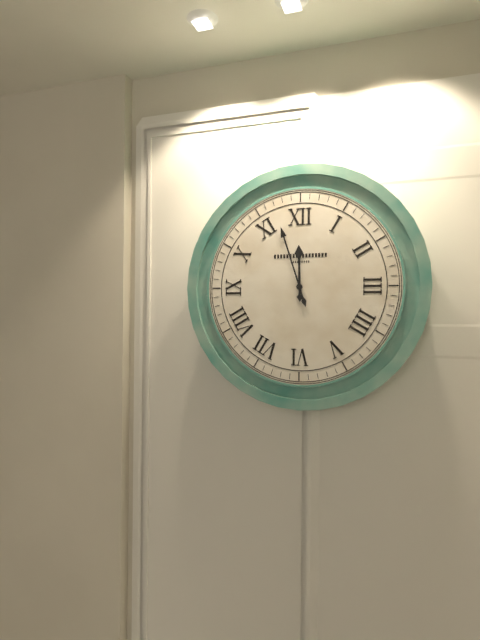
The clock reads 11:57
